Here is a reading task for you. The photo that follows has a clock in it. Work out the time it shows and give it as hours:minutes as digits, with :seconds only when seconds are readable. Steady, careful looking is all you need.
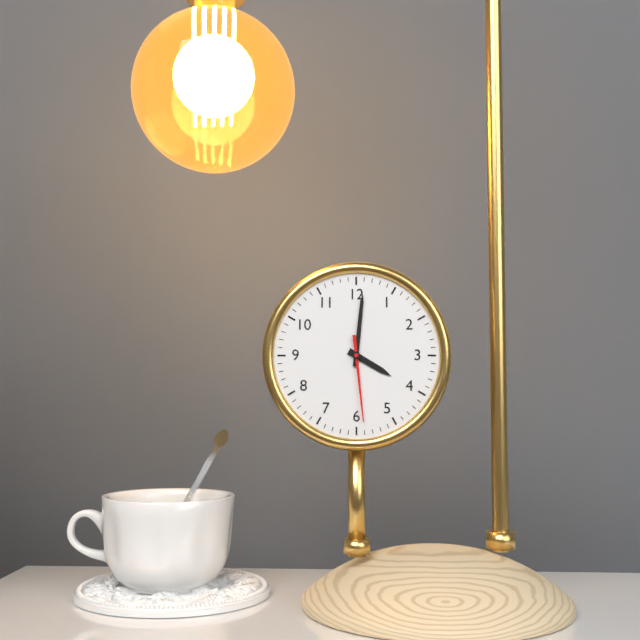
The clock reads 4:01:29
